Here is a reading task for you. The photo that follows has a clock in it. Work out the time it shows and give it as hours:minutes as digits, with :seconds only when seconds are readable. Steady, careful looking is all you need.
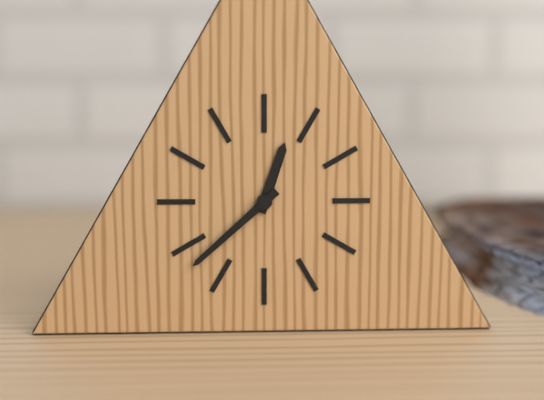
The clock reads 12:38
